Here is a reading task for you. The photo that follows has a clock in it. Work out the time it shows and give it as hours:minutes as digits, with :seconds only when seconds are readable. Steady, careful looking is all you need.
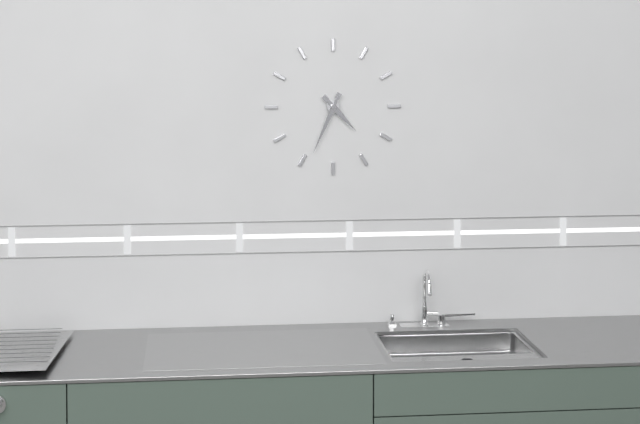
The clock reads 4:34
